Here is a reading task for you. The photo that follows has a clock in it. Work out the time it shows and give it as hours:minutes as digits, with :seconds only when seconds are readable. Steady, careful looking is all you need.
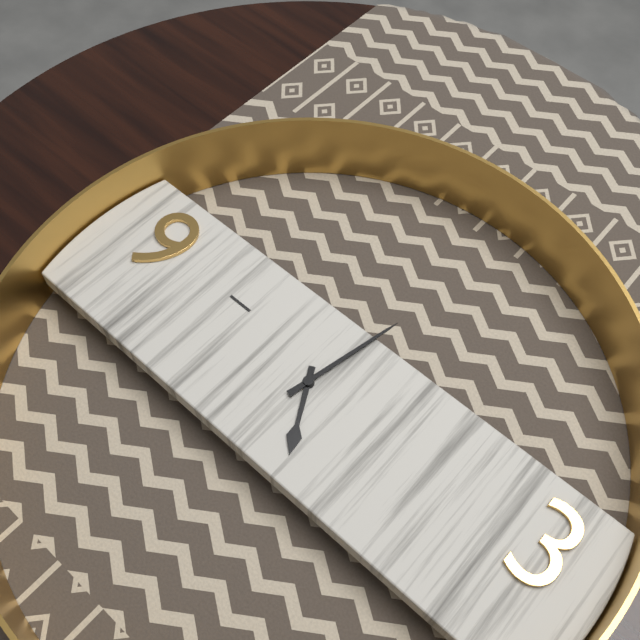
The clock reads 5:02
